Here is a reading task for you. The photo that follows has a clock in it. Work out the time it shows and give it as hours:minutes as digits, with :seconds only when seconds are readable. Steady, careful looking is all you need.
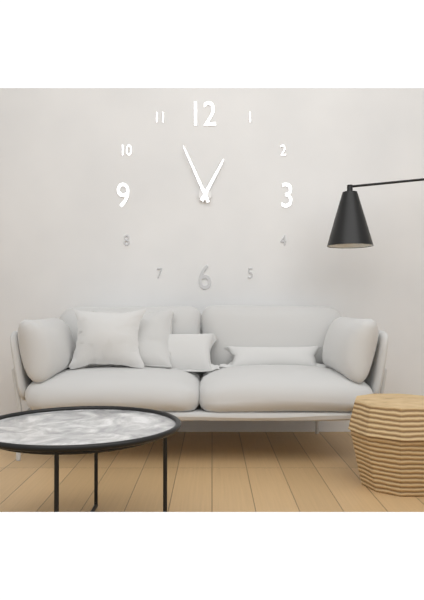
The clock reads 12:56
